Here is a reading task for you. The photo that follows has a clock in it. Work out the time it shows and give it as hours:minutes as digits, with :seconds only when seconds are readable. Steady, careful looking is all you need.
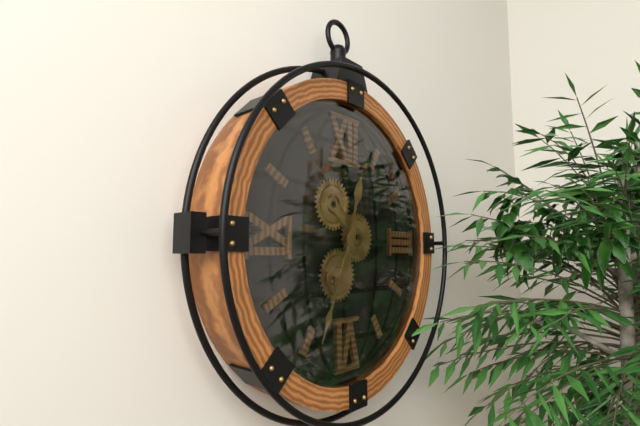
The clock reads 12:34
